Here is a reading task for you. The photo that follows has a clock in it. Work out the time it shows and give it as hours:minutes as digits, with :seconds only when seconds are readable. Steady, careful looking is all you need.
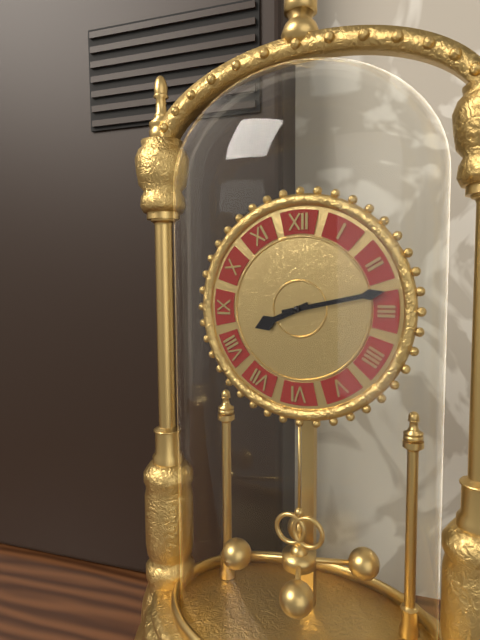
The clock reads 8:13
